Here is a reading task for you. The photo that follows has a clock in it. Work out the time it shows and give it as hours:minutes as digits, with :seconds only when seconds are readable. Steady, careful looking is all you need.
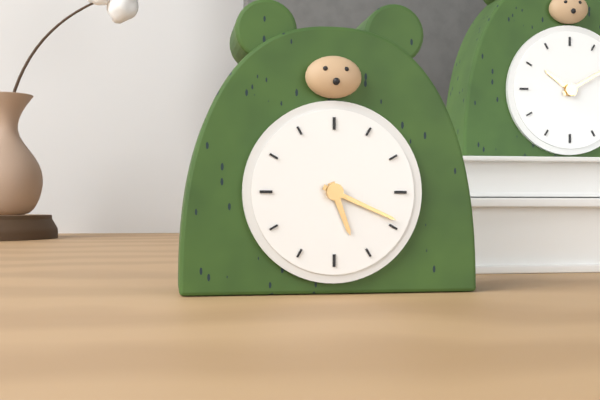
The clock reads 5:19
